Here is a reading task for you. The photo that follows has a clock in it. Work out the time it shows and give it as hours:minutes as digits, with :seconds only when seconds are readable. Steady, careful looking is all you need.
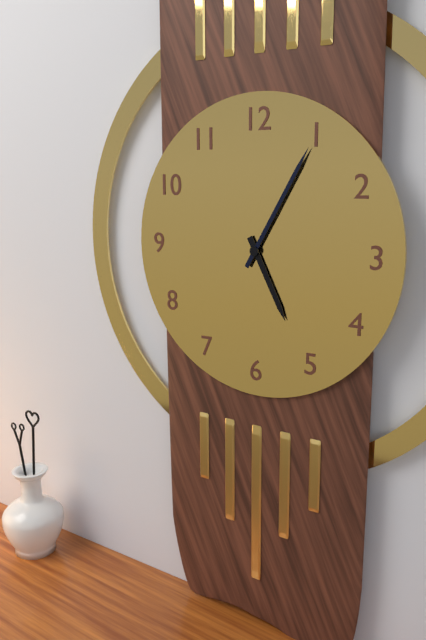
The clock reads 5:05
